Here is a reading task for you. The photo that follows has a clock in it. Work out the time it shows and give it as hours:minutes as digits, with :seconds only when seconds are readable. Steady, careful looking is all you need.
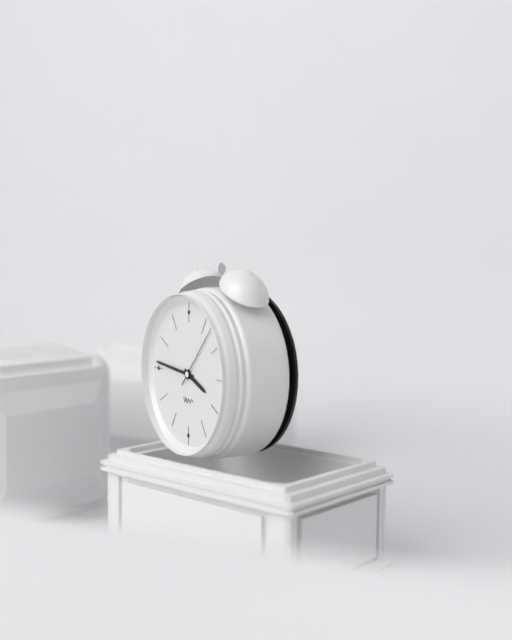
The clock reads 3:46:07
